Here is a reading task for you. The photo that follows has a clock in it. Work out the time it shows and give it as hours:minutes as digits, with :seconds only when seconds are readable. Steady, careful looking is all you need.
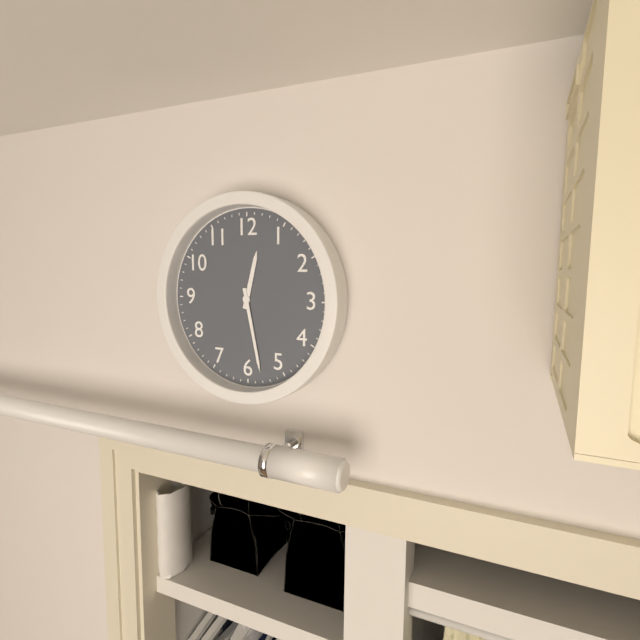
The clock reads 12:28
